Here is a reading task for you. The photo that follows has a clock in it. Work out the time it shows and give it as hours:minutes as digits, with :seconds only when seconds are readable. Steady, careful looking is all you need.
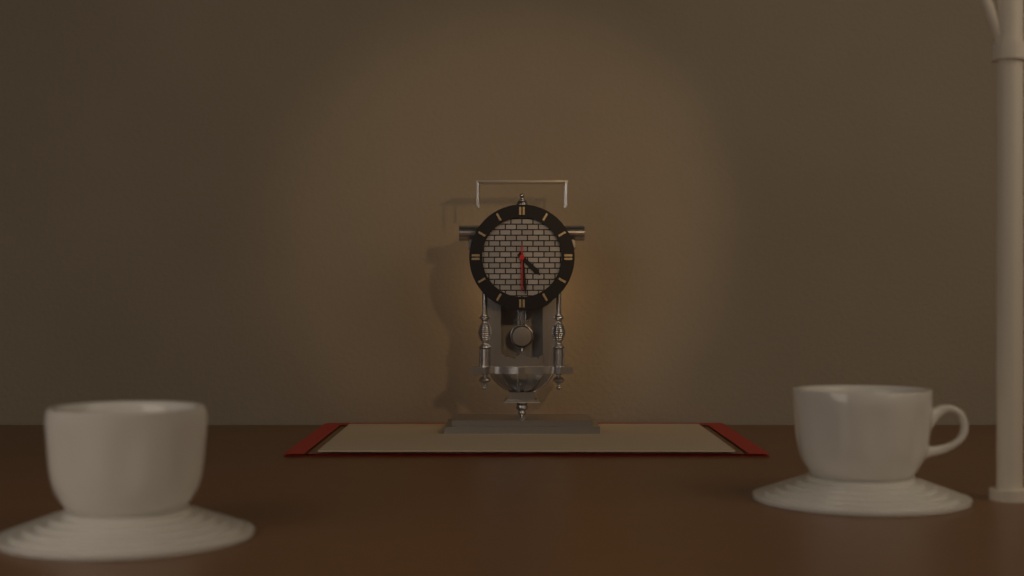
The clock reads 4:29
